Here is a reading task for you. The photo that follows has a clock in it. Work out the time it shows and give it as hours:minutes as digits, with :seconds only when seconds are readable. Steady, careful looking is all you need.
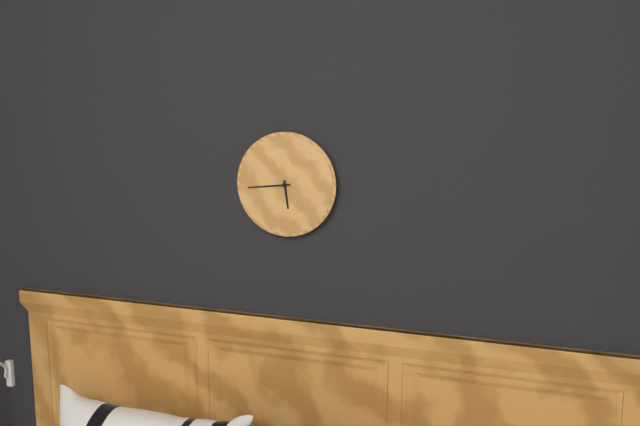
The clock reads 5:44
